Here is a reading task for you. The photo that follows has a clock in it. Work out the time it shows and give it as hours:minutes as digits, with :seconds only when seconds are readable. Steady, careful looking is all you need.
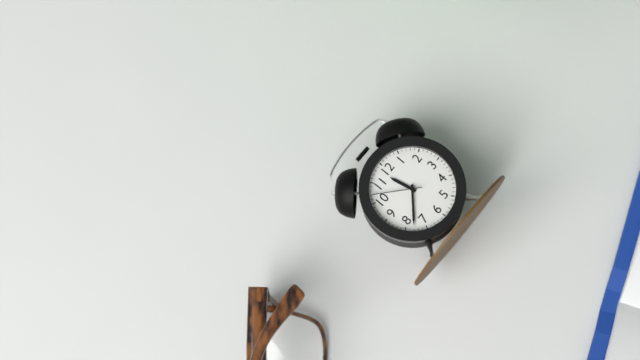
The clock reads 11:38:52
